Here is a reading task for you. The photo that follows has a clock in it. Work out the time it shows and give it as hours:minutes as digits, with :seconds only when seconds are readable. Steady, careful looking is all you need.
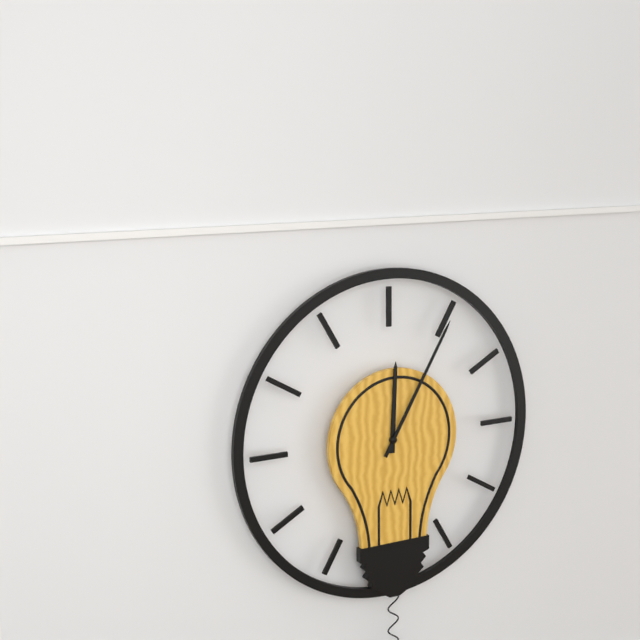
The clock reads 12:05
